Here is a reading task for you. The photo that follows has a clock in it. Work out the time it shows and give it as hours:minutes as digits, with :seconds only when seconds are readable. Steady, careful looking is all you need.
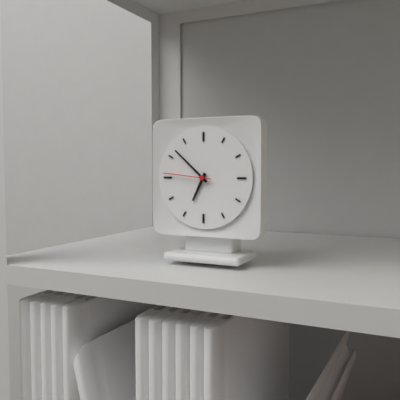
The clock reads 6:52
